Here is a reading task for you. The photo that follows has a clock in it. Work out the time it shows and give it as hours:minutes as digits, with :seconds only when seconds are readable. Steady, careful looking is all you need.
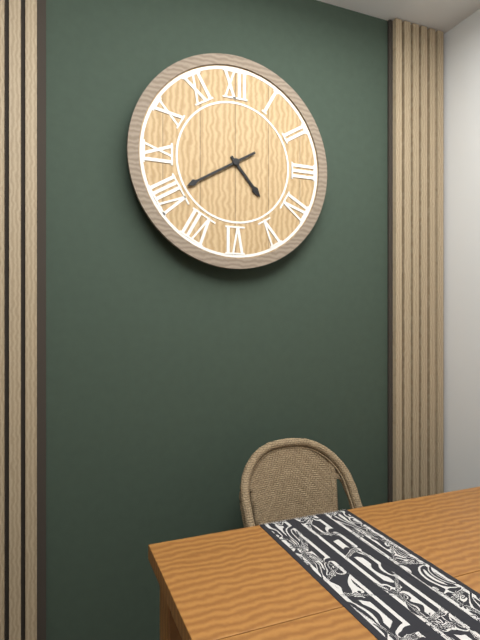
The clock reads 4:40
